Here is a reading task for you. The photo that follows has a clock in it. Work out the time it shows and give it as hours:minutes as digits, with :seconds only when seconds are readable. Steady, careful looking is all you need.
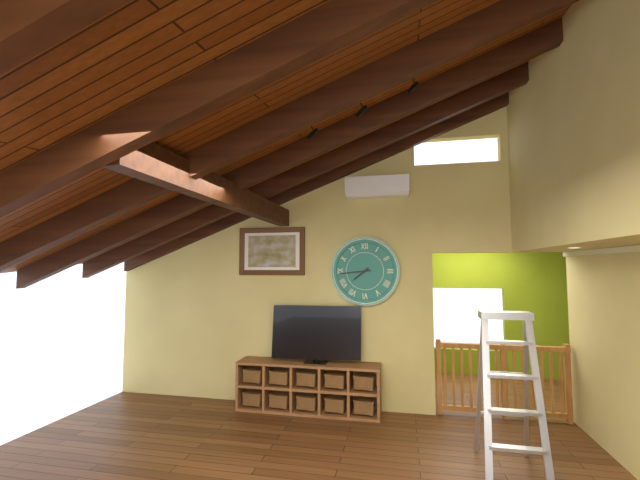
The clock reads 7:44
